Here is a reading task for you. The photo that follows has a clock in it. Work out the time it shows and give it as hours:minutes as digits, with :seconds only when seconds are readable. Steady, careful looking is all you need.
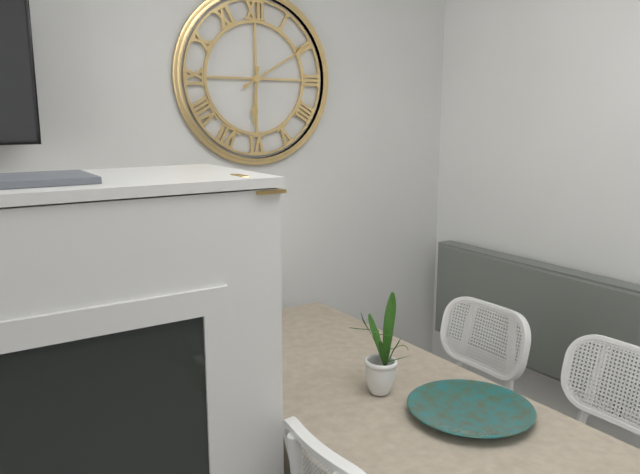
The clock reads 6:10
